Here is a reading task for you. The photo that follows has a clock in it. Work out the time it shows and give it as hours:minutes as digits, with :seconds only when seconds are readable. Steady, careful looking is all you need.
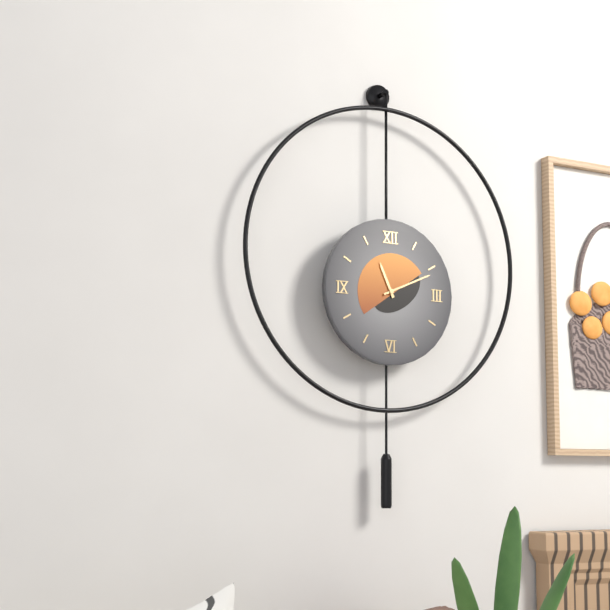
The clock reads 11:11
